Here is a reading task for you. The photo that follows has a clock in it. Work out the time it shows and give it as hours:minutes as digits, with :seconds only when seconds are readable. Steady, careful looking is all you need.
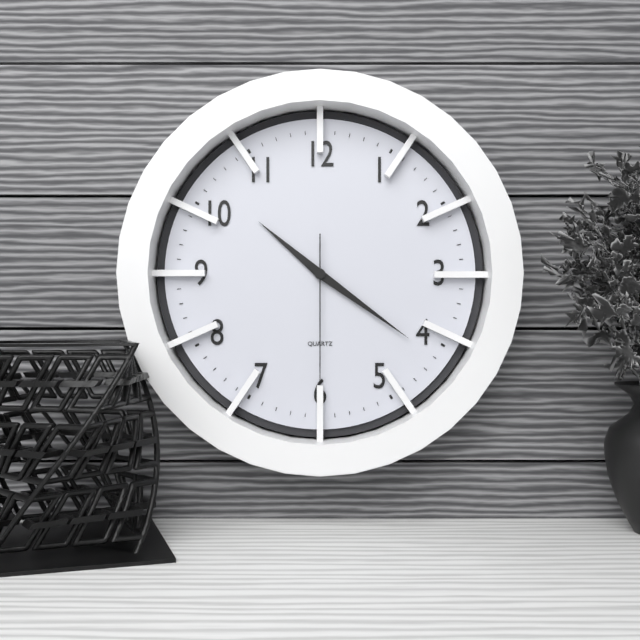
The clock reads 10:21:30
